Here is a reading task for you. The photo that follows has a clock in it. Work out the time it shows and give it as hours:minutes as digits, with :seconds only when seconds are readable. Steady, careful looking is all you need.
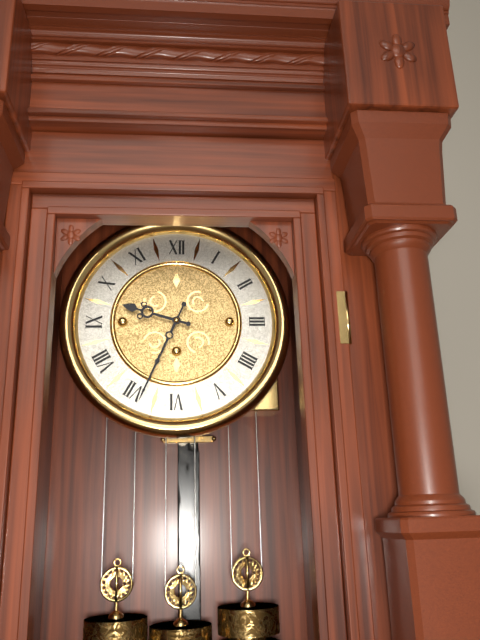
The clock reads 9:34
